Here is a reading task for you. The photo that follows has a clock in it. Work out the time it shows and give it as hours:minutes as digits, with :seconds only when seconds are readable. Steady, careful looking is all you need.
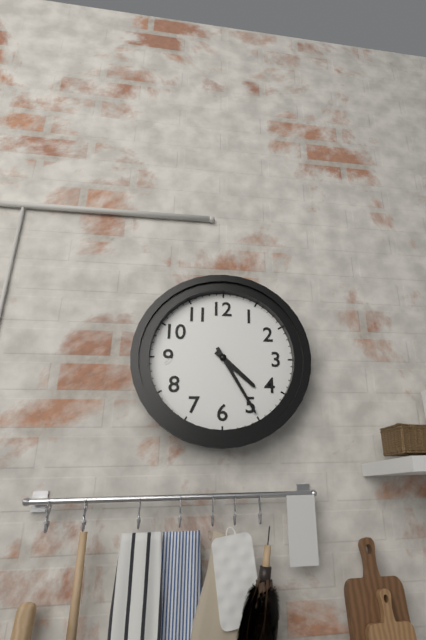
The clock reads 4:25
